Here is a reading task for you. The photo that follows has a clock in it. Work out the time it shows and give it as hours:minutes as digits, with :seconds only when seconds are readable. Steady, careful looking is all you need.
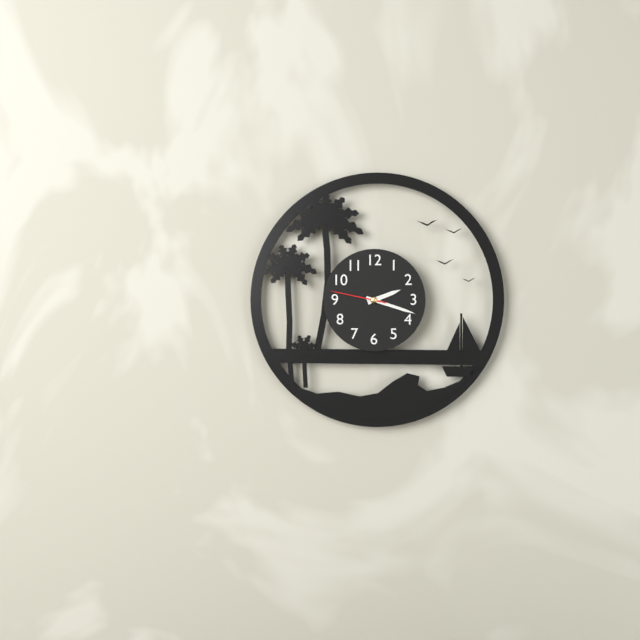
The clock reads 2:18:47
